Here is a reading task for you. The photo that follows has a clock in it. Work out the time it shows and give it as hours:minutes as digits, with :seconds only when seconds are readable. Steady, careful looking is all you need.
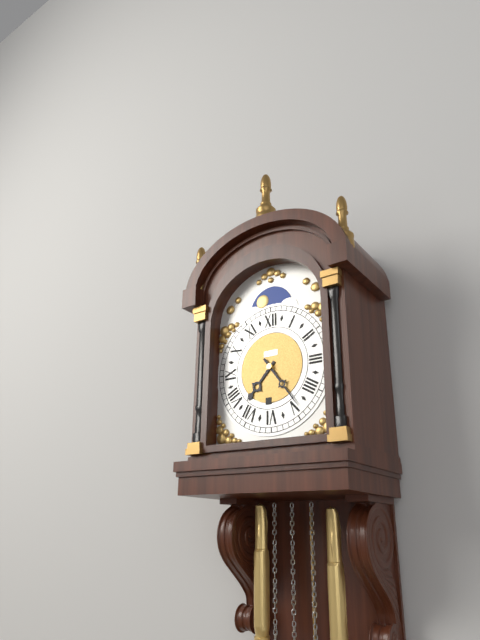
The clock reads 7:24
